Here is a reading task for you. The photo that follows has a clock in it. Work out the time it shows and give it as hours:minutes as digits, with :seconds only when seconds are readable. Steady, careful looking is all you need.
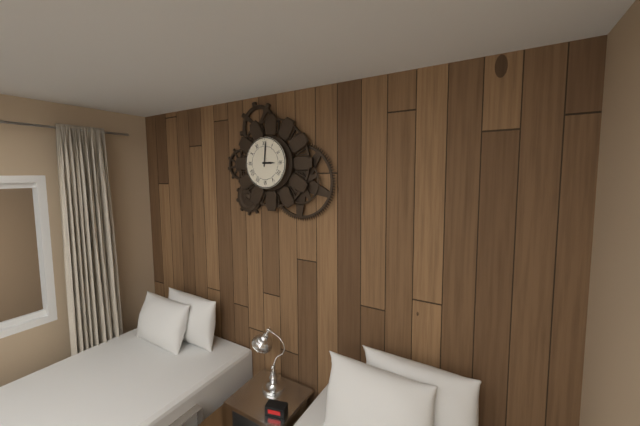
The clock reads 3:01
